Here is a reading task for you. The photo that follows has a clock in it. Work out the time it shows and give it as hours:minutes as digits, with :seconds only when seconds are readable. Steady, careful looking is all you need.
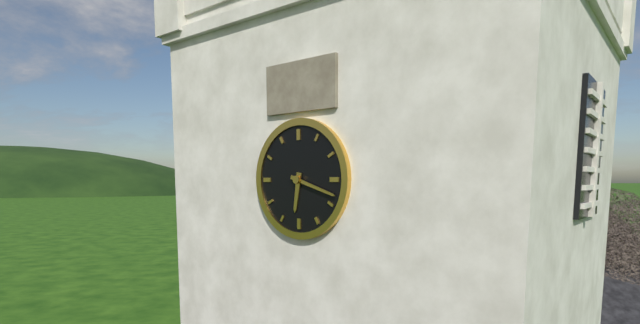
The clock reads 6:18
